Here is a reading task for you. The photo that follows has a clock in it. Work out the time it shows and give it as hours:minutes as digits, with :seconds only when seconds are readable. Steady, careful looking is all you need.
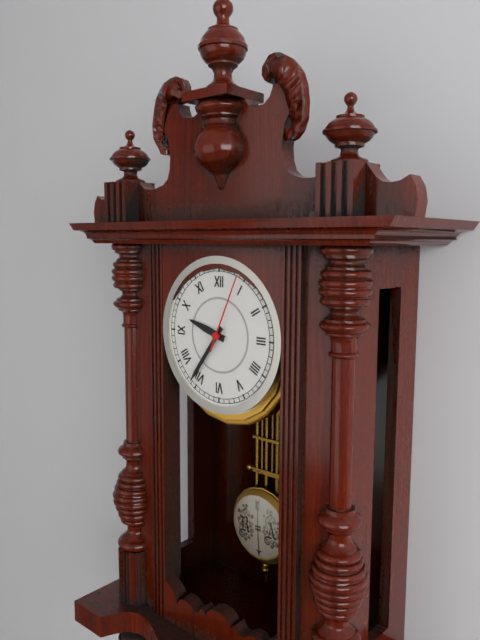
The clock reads 9:36:04
